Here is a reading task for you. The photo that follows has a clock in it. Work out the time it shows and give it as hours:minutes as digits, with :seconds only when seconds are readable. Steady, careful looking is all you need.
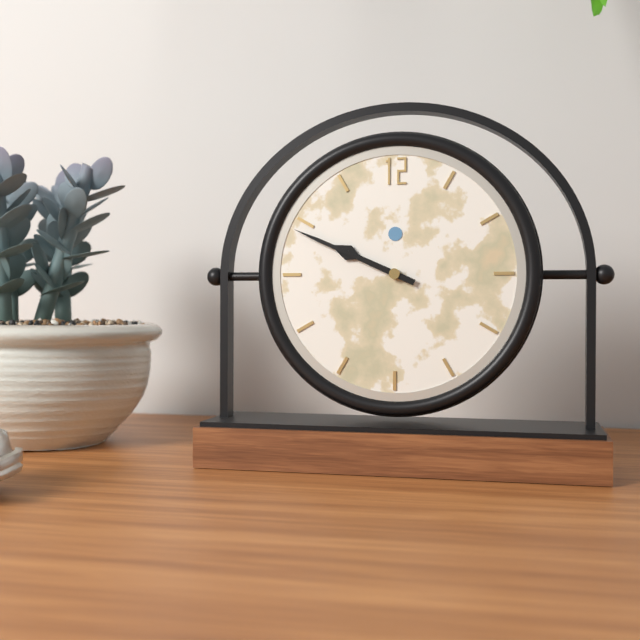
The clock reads 9:49
